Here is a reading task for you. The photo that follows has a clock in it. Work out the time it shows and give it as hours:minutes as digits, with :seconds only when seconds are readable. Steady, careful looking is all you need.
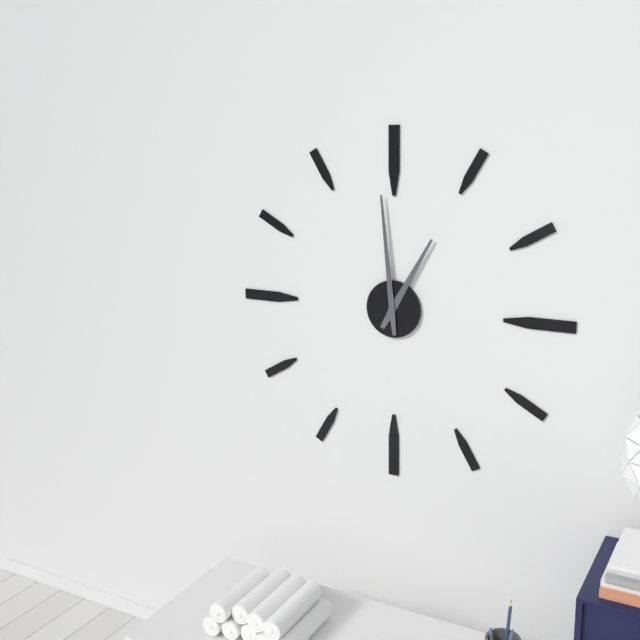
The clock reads 12:59
